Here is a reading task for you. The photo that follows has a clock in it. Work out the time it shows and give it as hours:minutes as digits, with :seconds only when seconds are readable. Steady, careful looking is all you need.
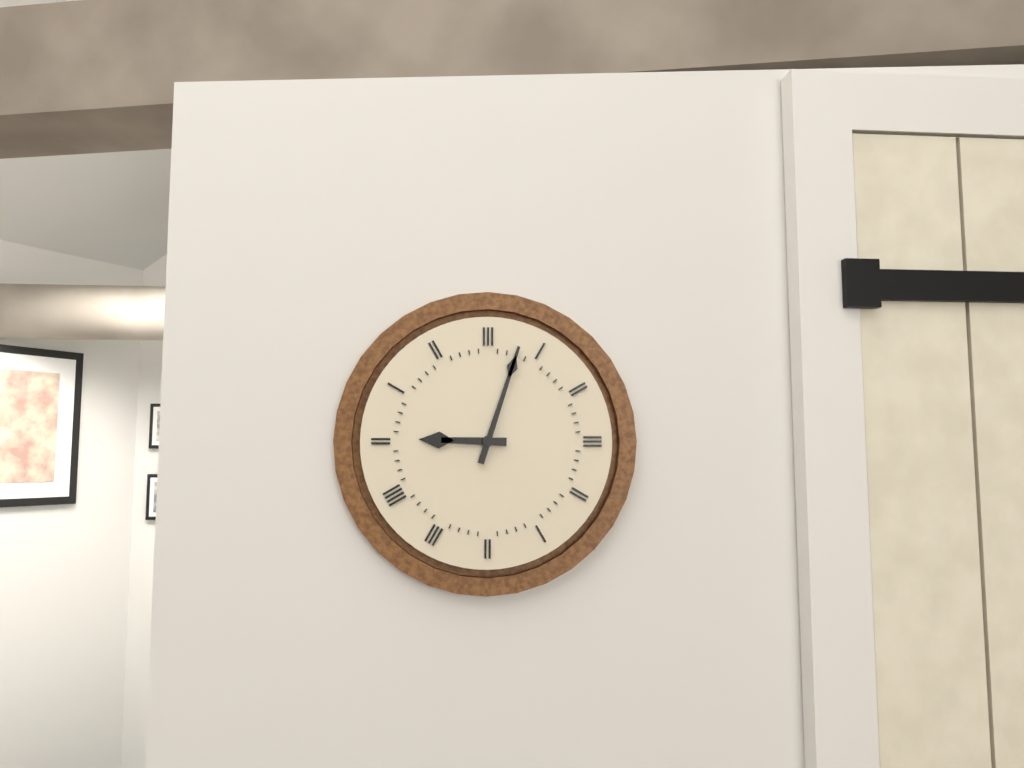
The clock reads 9:03
